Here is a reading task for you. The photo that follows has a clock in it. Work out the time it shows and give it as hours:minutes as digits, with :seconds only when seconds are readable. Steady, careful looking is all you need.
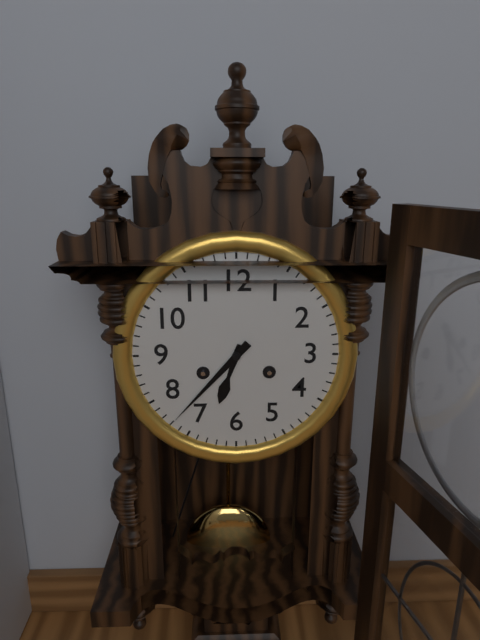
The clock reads 6:37
